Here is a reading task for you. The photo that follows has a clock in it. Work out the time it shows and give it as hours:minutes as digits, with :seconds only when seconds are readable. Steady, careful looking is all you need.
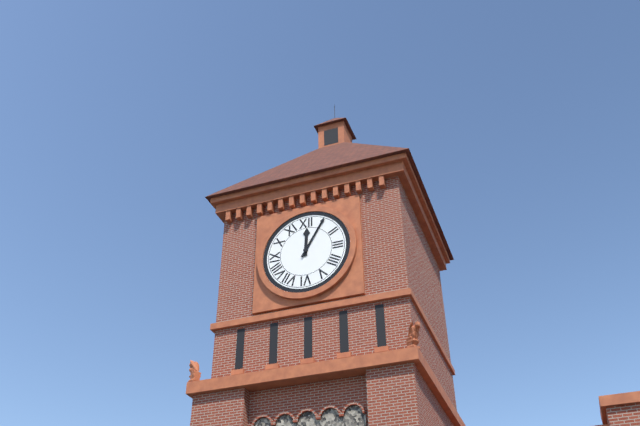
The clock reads 12:05
